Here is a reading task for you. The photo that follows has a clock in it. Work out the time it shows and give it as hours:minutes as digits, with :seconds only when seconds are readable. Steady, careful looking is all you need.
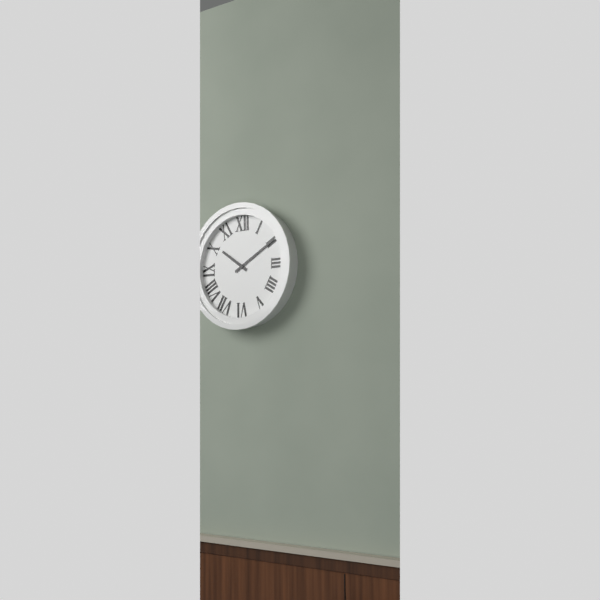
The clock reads 10:10
